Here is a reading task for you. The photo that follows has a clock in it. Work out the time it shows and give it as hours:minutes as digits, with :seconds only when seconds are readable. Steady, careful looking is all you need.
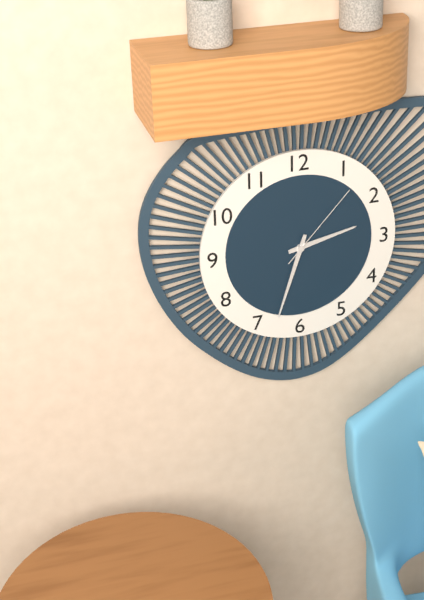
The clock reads 2:33:07
